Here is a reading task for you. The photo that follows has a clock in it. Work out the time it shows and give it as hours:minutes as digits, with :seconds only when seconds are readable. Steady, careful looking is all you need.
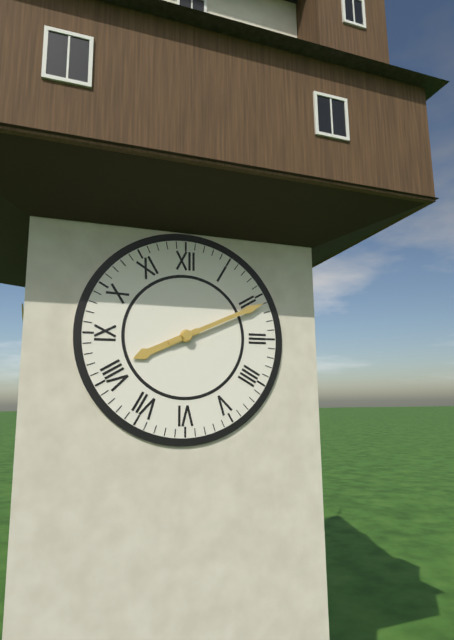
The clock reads 8:11
